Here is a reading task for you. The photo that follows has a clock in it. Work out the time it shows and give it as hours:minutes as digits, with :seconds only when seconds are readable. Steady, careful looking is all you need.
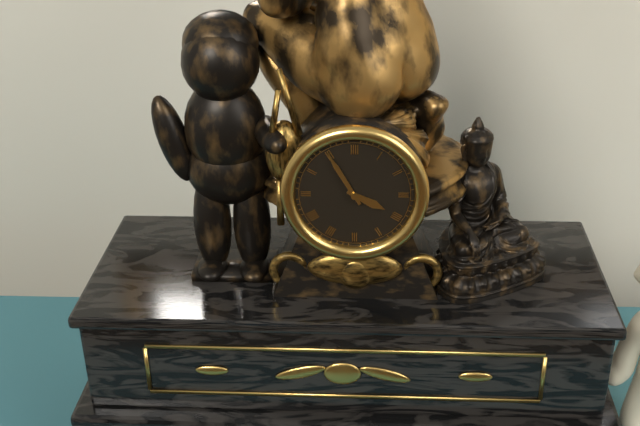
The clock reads 3:55
